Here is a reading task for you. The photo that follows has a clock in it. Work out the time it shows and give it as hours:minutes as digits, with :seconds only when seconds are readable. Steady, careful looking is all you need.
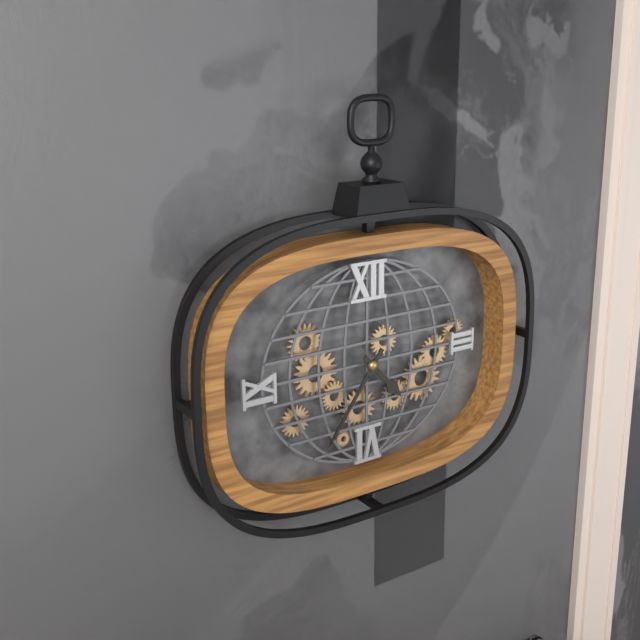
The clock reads 4:36
